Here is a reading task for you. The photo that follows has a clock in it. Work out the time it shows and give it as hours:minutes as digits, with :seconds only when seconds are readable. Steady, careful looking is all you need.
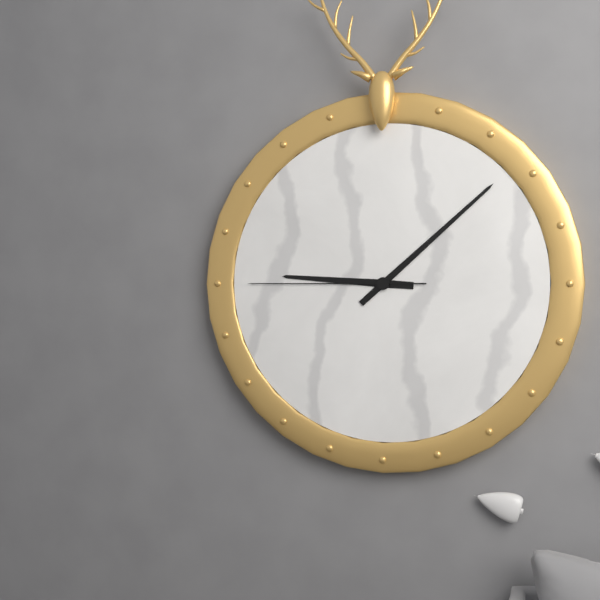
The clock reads 9:08:45
